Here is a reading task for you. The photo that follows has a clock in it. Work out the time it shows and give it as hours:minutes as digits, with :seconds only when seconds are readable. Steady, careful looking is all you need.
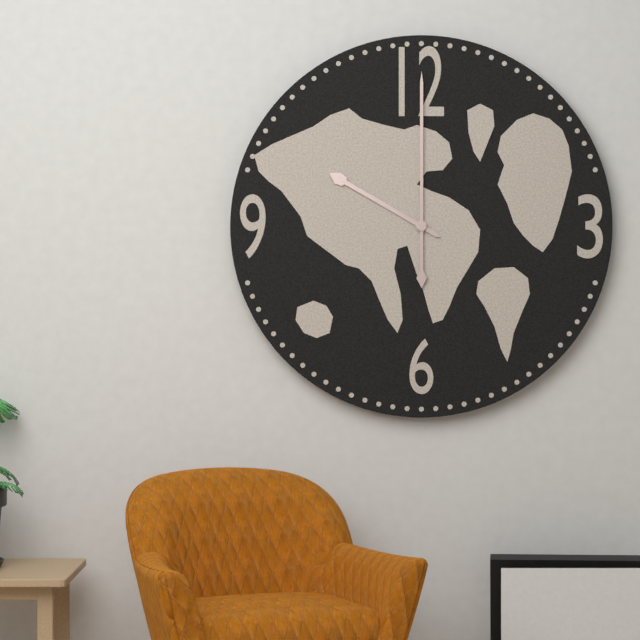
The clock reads 10:00
